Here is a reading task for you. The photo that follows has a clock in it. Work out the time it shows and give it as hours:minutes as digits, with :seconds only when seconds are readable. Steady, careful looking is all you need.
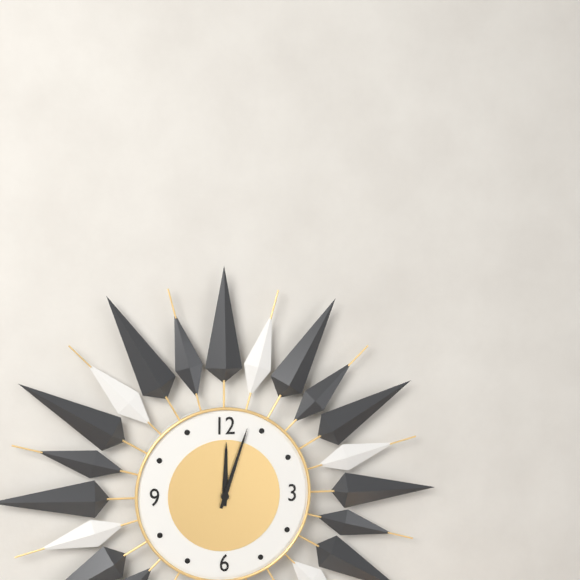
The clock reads 12:03
